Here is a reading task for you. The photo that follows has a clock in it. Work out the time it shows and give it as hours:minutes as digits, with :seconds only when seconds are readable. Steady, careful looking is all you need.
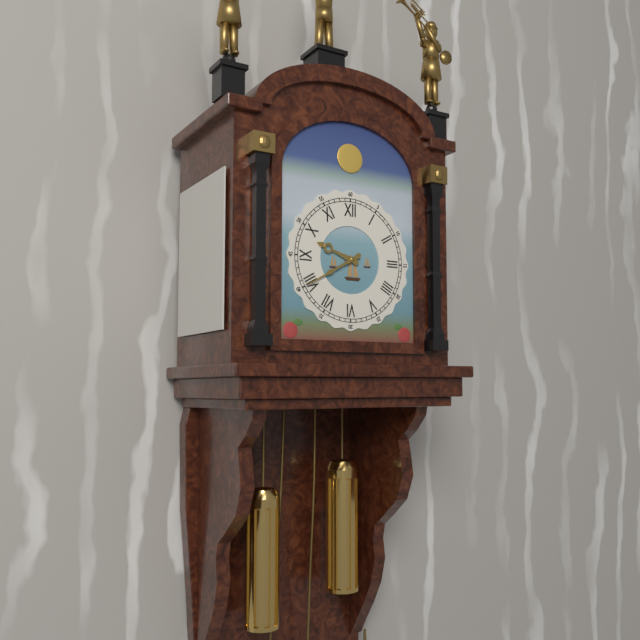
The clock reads 9:40
